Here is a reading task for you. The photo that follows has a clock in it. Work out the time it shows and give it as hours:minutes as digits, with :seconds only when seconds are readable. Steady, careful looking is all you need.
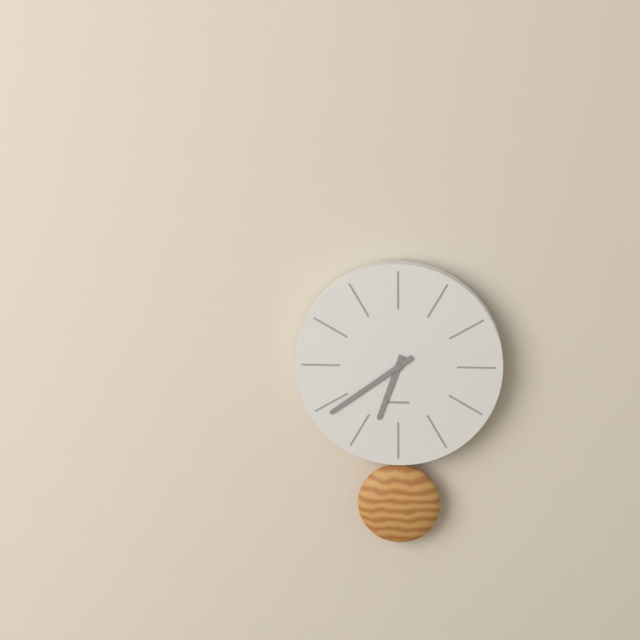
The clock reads 6:39
